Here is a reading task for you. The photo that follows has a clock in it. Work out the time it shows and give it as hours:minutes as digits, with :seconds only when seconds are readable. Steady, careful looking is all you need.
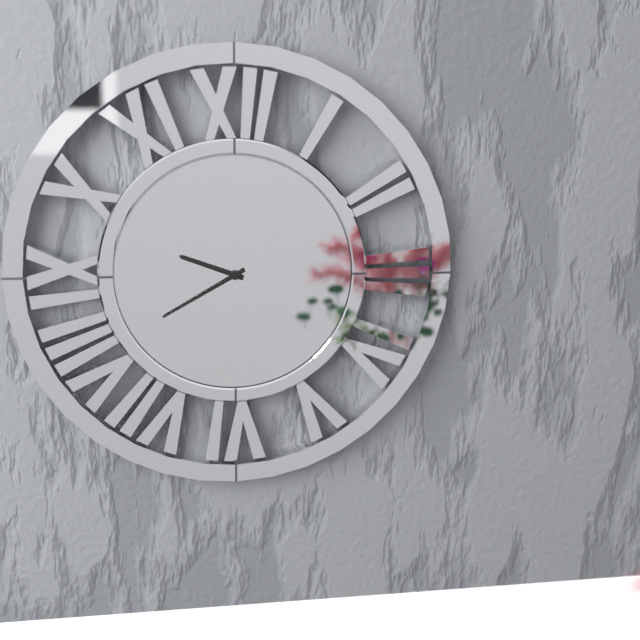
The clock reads 9:40
